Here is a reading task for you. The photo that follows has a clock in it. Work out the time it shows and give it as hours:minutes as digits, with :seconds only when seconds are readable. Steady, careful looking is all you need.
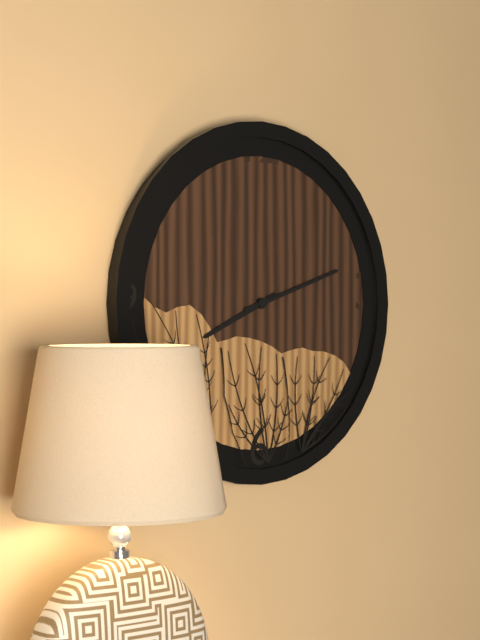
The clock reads 8:12
